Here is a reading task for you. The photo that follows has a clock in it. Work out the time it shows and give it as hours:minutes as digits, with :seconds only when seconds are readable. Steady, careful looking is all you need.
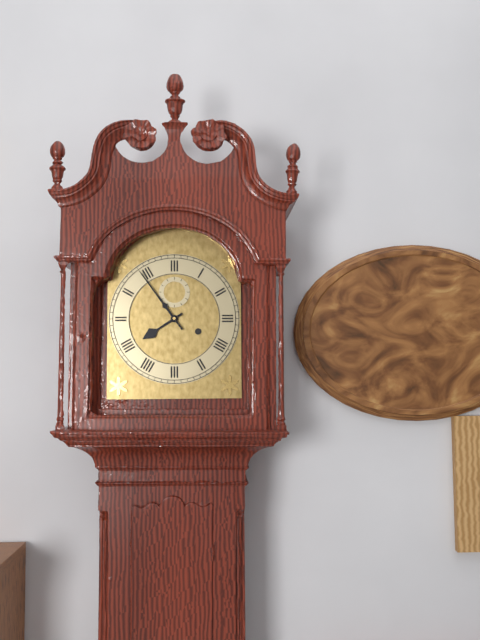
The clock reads 7:54
